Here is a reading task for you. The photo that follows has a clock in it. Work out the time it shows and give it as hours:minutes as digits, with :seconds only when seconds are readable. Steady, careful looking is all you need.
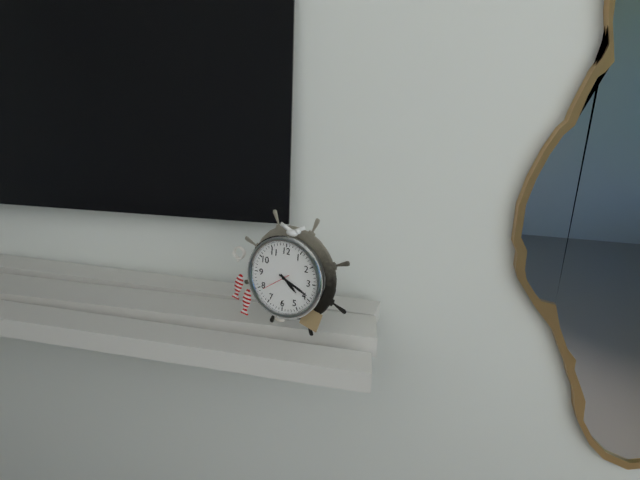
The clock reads 4:19
